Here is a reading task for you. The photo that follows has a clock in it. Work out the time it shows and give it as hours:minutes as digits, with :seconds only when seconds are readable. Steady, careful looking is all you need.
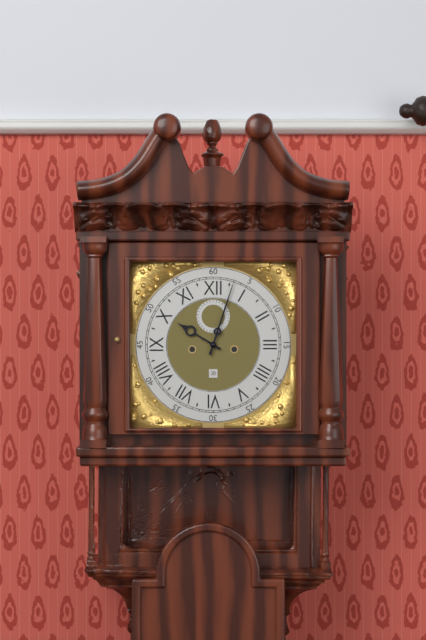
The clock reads 10:03
